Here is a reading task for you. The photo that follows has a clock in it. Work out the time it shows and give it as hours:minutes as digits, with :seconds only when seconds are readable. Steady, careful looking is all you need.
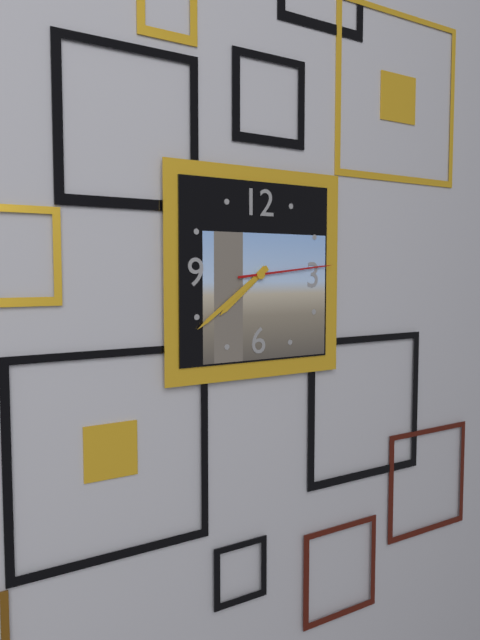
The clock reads 7:39:14
